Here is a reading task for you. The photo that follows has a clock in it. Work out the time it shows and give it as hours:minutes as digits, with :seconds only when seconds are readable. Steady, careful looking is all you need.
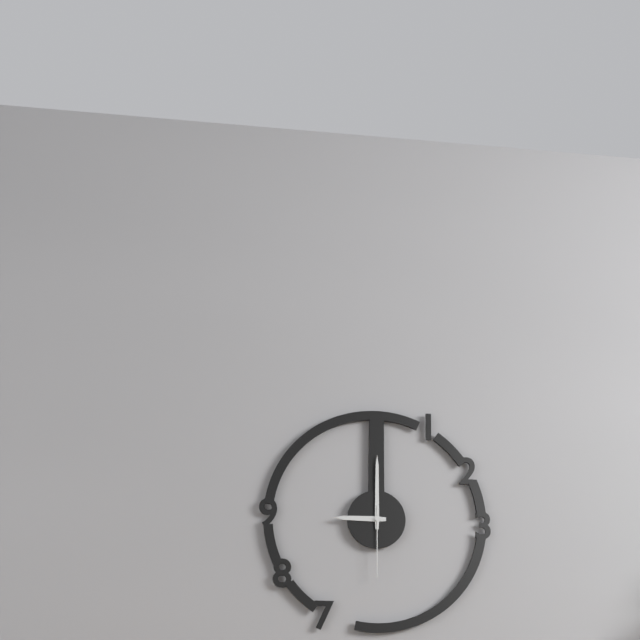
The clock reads 9:00:30
